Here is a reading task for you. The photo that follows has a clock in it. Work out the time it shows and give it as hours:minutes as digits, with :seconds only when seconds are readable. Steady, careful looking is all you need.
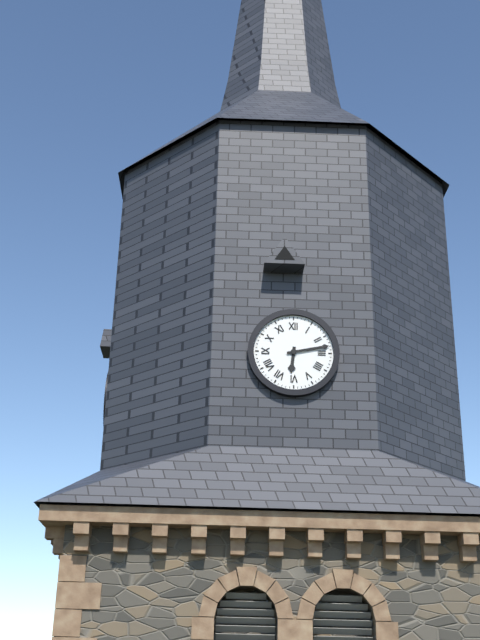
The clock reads 6:13
